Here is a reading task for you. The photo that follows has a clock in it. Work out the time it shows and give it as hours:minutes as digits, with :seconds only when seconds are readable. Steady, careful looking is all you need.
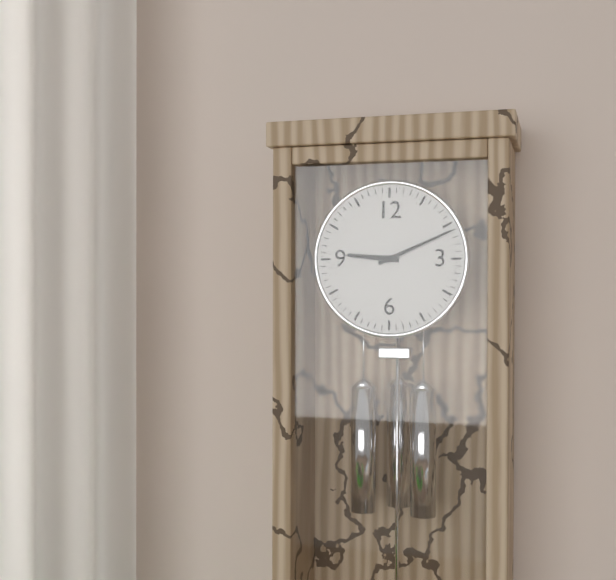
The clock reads 9:11
